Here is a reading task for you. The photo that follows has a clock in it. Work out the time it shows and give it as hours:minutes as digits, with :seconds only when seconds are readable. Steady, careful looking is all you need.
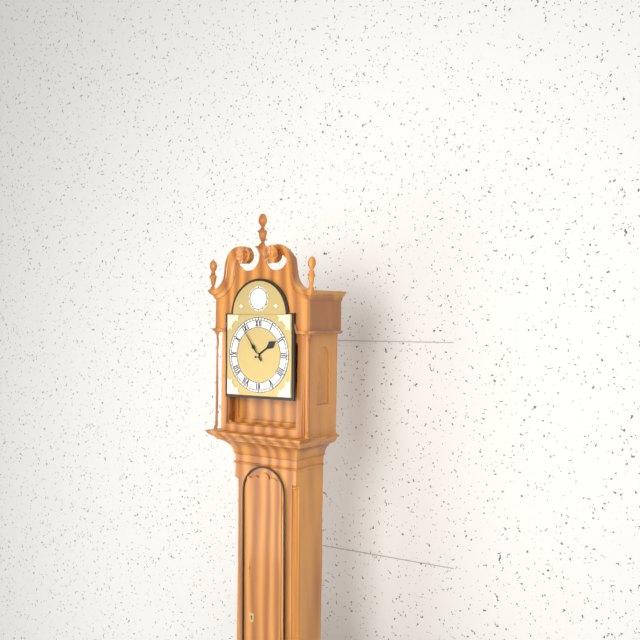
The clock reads 1:54
